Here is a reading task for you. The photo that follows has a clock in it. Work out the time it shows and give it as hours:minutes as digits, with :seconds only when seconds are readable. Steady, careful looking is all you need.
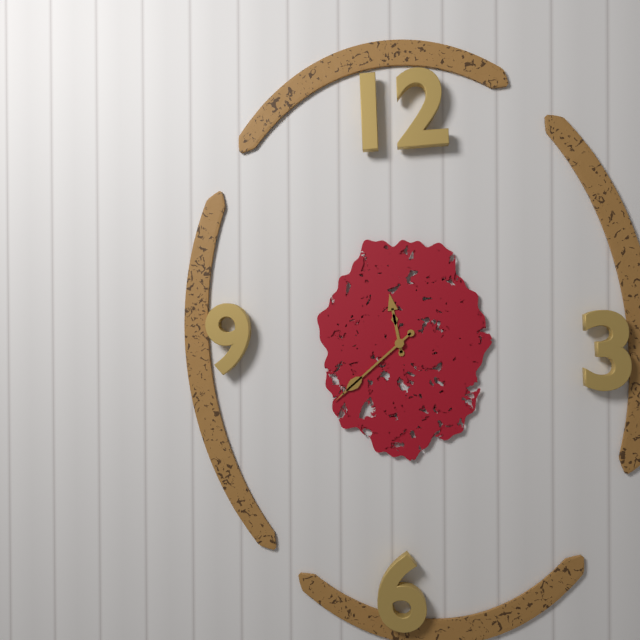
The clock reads 11:38
